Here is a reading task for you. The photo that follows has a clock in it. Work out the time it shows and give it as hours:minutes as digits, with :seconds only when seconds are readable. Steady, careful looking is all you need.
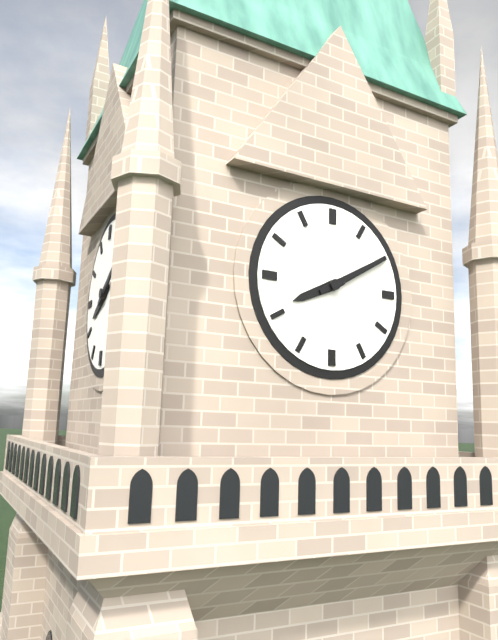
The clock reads 8:10
